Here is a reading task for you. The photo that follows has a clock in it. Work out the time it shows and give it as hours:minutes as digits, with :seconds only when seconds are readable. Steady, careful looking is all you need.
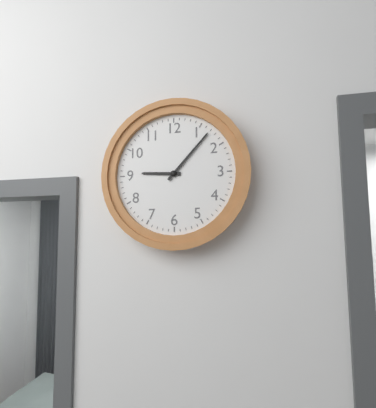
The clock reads 9:07
